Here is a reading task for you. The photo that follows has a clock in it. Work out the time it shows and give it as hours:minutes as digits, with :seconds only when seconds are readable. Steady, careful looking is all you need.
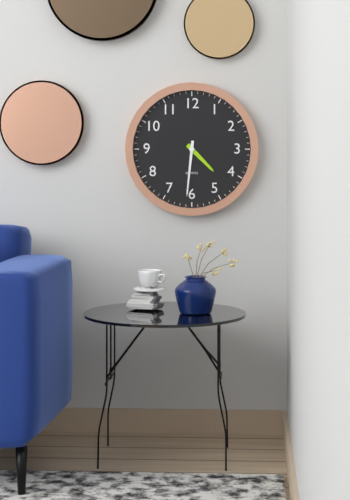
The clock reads 4:31
